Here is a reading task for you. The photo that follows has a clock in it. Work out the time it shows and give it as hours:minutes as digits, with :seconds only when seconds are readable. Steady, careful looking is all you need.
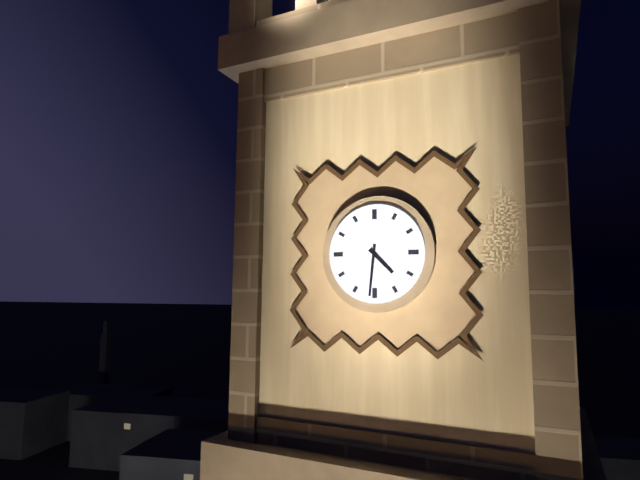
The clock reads 4:31
